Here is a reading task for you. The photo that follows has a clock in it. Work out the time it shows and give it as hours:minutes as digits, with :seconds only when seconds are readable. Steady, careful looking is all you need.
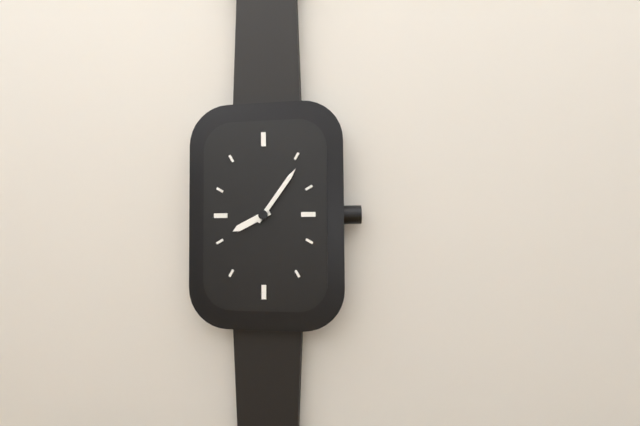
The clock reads 8:06
